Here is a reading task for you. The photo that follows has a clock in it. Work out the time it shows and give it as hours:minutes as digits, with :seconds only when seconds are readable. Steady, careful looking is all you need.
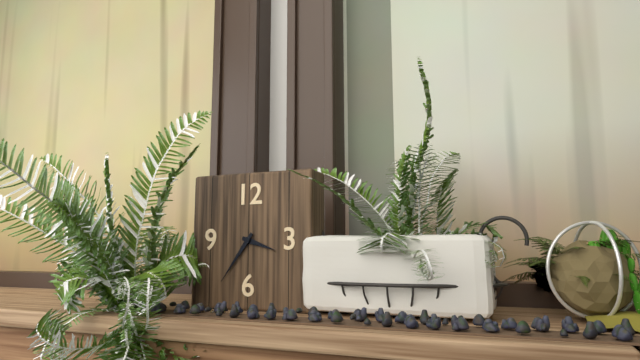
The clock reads 3:36
